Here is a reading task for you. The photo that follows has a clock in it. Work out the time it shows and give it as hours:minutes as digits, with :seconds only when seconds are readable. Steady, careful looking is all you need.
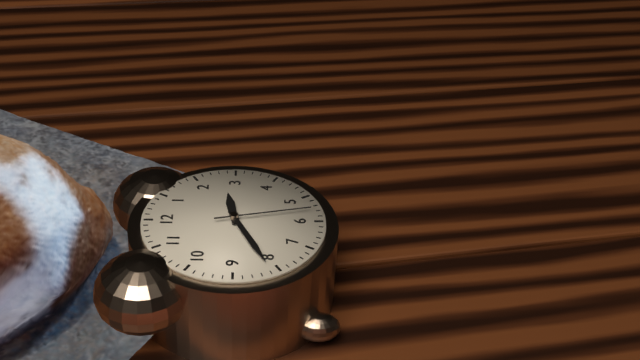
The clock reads 2:41:28
